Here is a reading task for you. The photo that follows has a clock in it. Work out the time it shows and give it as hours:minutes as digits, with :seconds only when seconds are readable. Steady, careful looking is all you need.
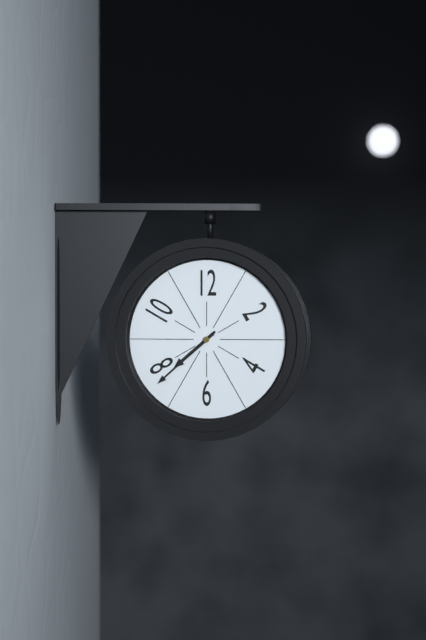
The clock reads 7:38
